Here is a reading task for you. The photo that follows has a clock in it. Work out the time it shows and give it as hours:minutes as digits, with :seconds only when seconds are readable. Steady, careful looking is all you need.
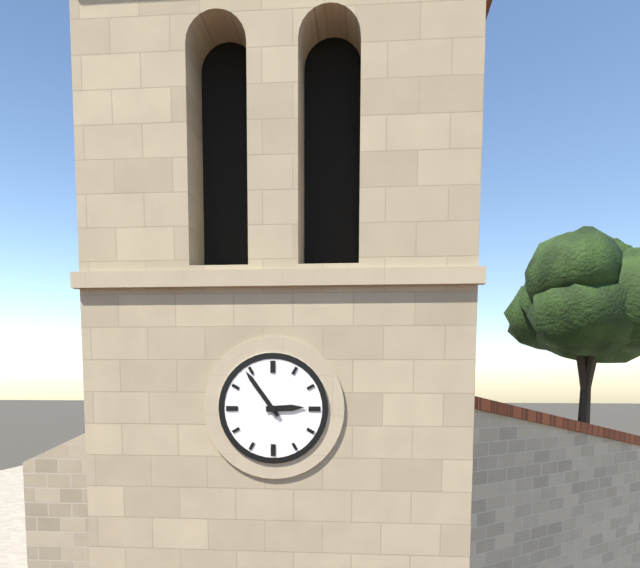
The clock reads 2:54
